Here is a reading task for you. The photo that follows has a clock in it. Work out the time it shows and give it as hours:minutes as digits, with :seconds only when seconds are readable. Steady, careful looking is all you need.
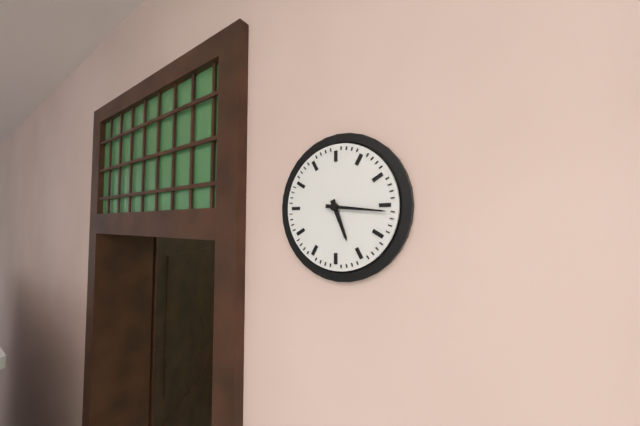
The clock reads 5:16
